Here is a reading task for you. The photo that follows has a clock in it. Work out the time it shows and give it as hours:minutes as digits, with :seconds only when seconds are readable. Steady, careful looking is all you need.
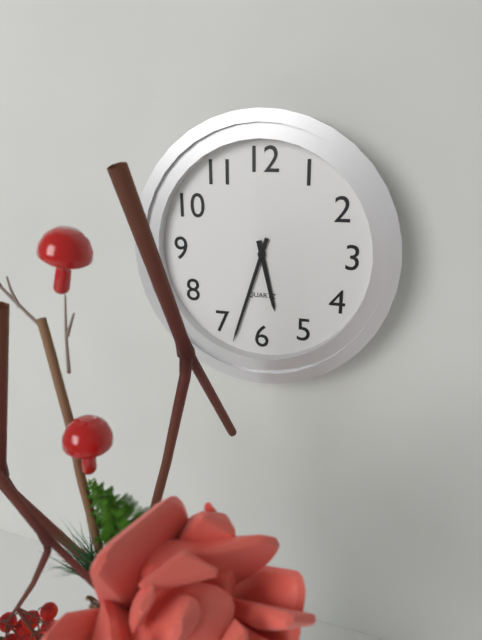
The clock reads 5:33
